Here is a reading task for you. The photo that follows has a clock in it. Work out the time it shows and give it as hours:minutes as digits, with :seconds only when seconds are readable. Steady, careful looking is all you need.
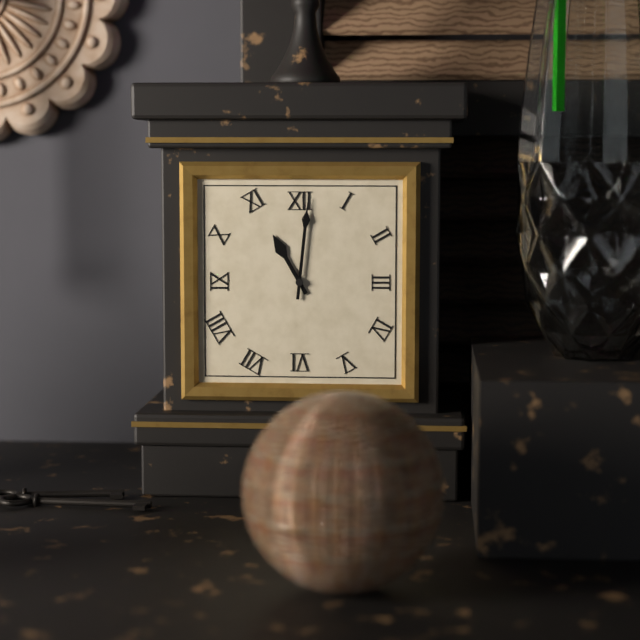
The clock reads 11:01
